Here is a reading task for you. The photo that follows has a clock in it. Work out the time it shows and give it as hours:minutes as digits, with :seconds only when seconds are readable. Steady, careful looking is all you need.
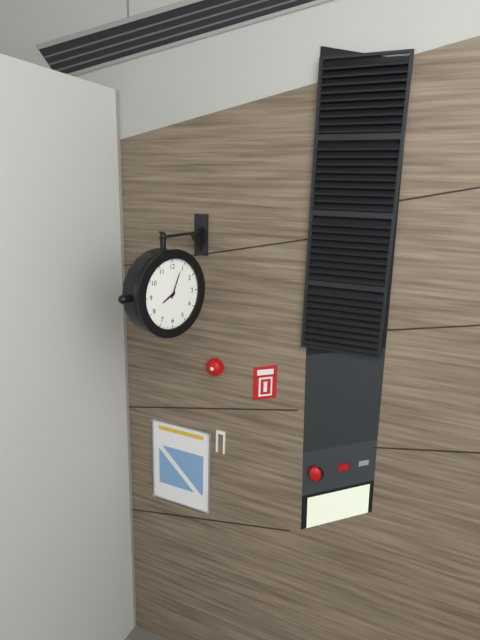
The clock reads 8:04
